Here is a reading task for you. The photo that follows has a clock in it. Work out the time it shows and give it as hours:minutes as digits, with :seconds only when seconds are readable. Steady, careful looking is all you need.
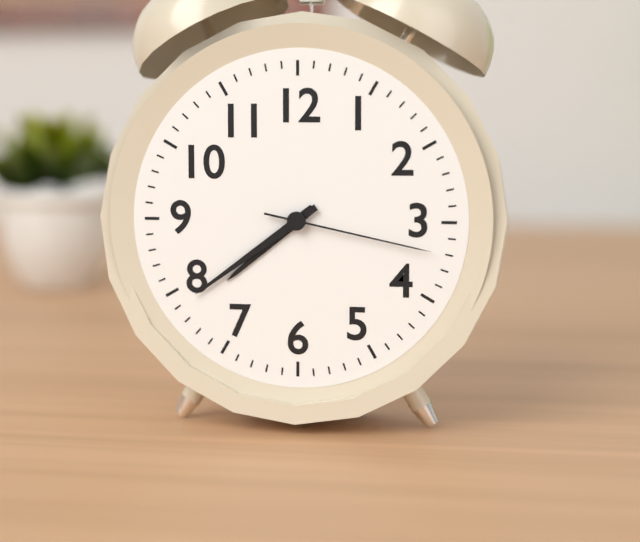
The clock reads 7:39:17
